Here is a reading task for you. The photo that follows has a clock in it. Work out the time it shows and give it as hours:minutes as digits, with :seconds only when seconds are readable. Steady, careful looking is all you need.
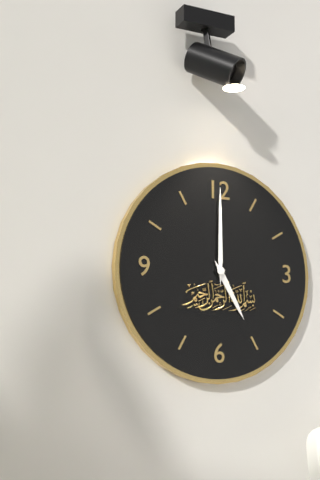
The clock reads 5:00
